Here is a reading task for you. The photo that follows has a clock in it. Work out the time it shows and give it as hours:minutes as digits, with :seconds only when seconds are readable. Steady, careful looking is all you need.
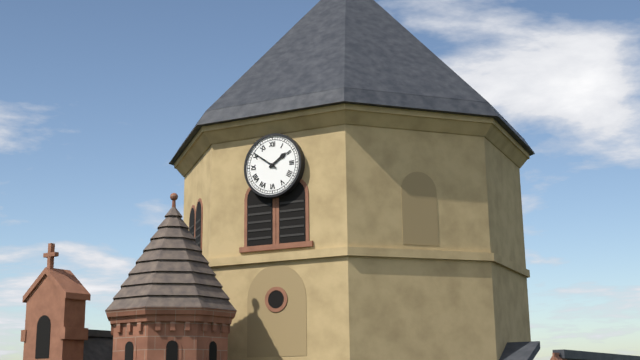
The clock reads 1:51
